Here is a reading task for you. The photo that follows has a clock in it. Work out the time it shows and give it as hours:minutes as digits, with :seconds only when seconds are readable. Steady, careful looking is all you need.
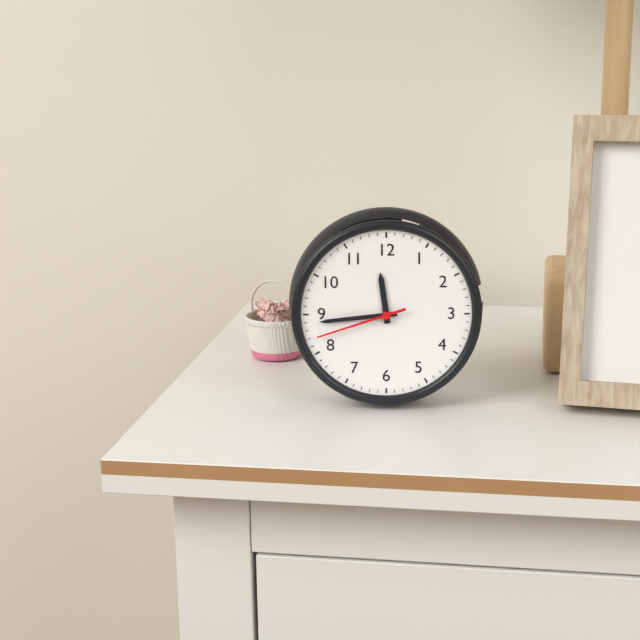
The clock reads 11:44:42
